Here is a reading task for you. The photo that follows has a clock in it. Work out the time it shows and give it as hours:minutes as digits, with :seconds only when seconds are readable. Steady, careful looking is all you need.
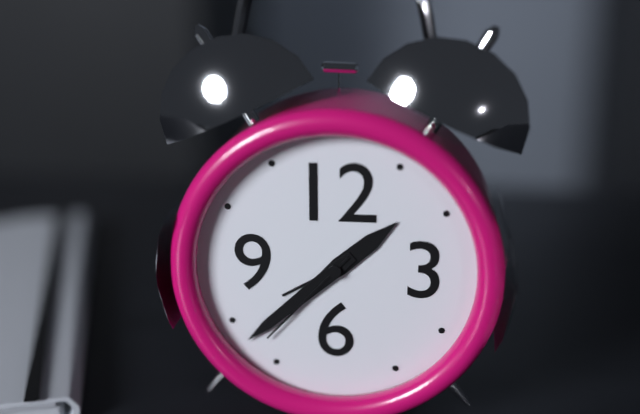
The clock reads 1:38:37
